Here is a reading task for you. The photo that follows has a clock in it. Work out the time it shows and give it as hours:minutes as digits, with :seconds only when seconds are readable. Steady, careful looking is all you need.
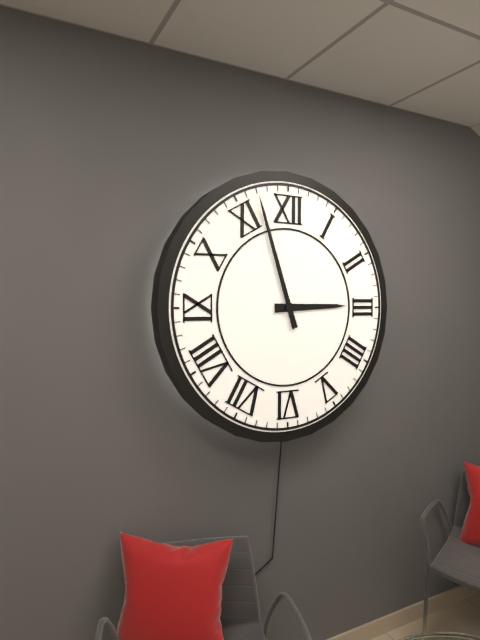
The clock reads 2:57
